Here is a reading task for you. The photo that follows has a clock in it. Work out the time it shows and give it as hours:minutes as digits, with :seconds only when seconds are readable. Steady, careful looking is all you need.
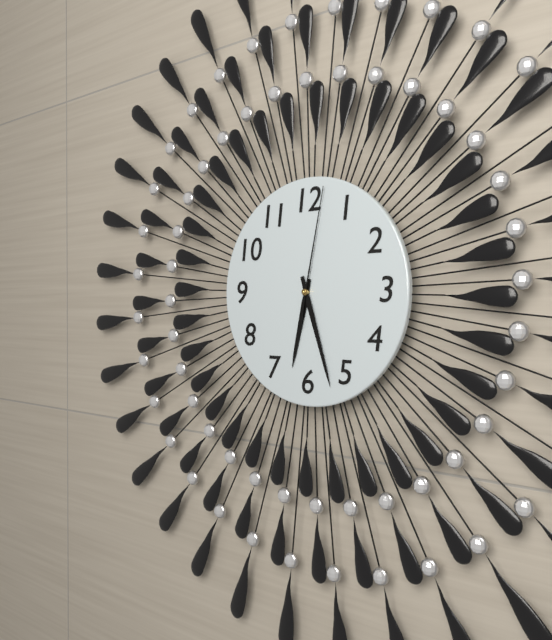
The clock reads 6:27:02
